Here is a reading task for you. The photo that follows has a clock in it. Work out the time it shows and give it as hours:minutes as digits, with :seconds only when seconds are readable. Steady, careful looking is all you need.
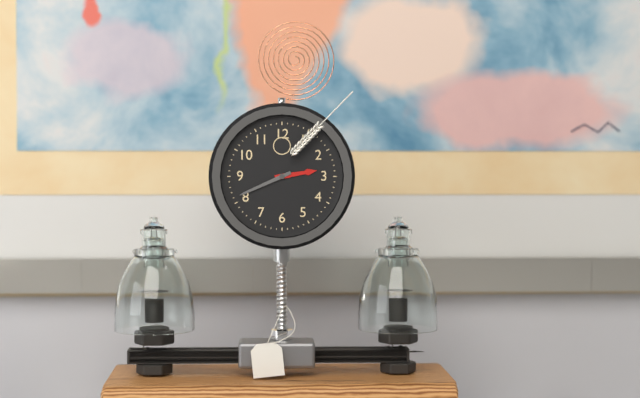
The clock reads 2:41
